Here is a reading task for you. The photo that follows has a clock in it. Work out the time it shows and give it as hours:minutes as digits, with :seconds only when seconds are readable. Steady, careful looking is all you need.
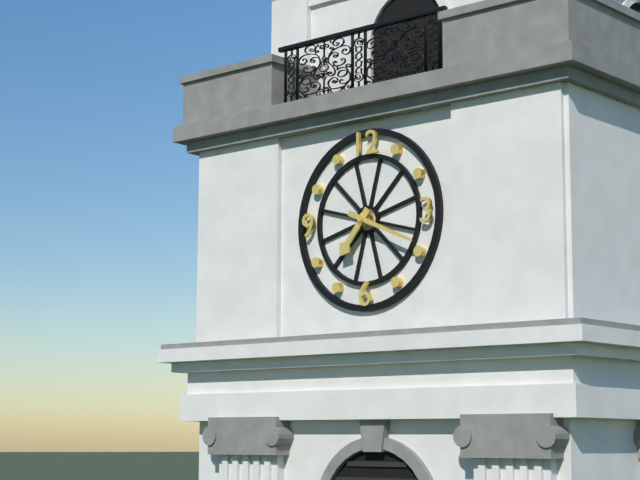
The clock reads 7:19
